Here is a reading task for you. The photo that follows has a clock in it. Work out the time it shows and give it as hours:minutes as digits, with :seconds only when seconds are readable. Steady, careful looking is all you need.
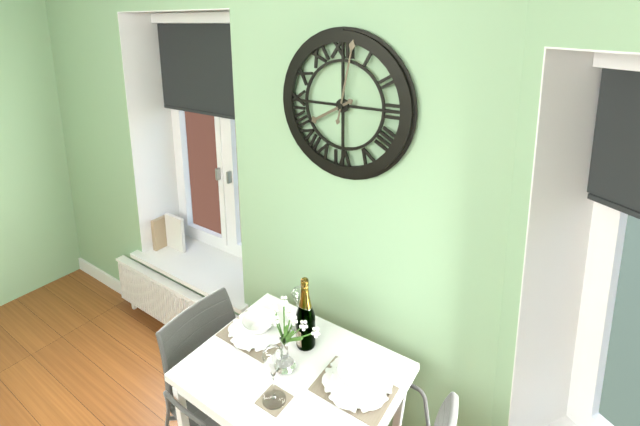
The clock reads 8:02
